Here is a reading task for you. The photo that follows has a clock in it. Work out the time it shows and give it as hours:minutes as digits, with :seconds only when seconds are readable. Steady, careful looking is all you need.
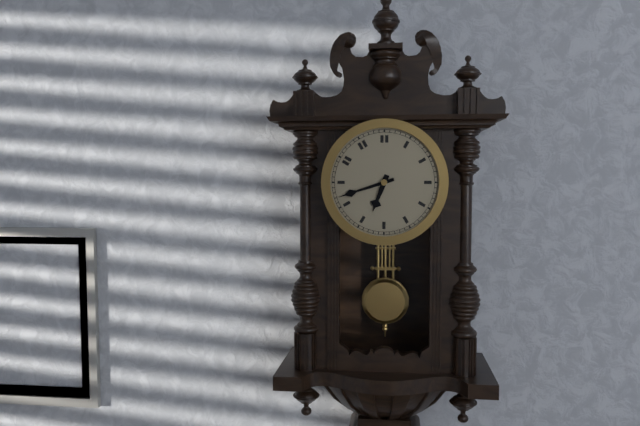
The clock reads 6:42
